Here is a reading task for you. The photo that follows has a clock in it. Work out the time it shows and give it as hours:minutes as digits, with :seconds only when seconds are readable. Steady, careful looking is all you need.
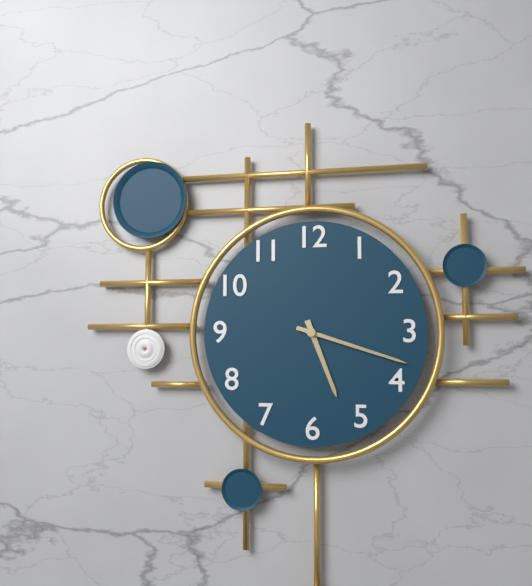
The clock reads 5:18
